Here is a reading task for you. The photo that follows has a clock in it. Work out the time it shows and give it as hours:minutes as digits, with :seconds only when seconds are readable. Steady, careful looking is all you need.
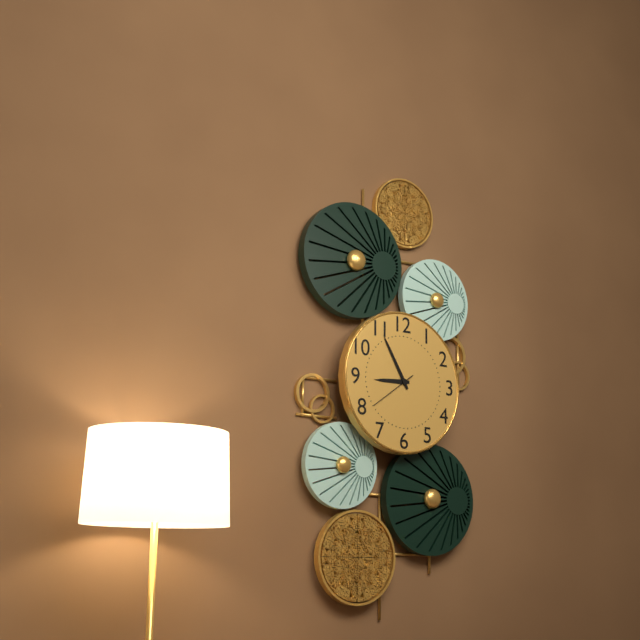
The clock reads 8:55
